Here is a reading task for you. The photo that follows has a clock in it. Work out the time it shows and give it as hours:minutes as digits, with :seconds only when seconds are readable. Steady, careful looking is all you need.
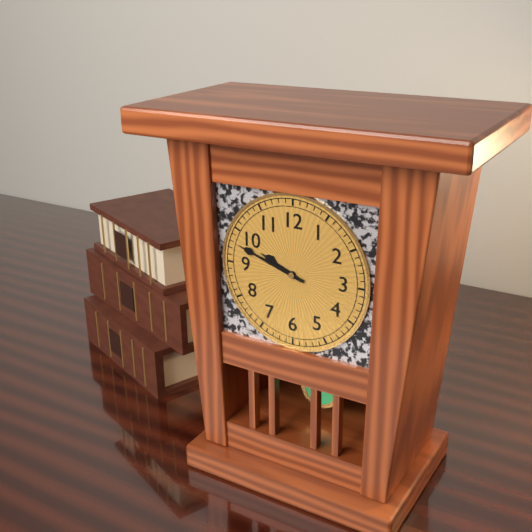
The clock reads 9:48
